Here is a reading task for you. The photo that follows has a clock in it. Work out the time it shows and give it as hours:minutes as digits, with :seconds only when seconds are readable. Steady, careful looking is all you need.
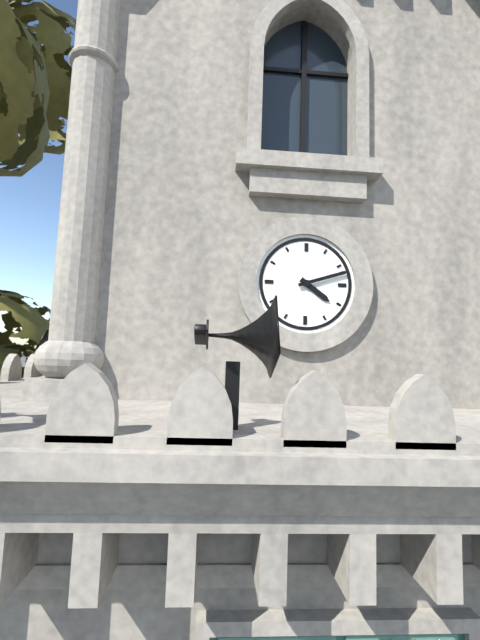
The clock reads 4:12
